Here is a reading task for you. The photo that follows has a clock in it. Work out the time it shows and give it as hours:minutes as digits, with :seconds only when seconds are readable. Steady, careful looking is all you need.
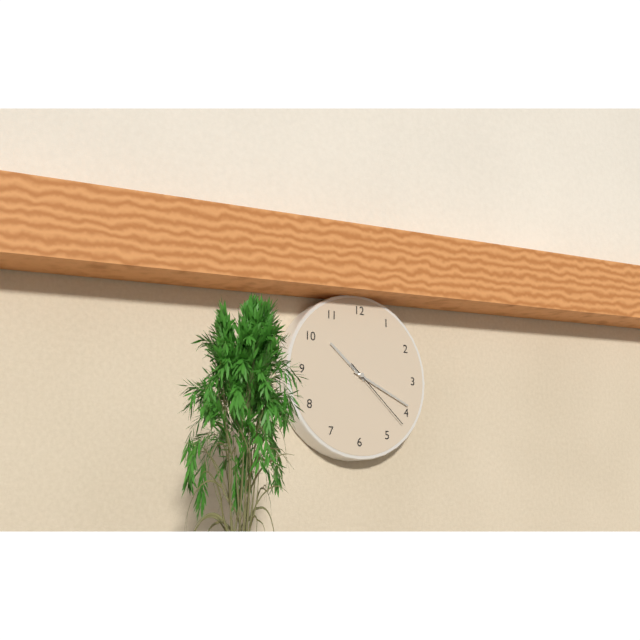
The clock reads 10:19:22
